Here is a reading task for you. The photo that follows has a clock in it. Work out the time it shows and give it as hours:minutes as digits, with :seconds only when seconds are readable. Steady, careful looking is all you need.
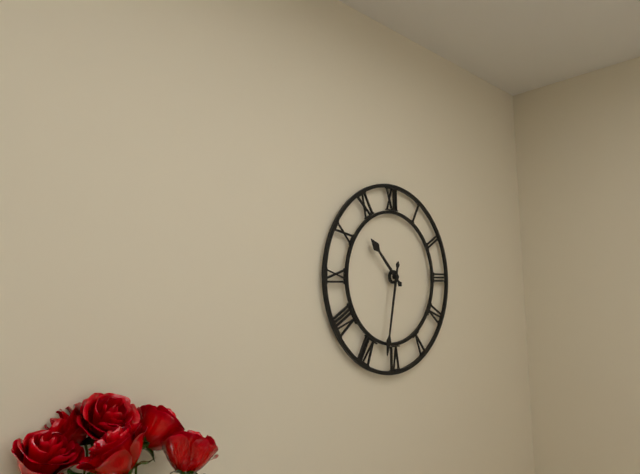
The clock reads 10:32
